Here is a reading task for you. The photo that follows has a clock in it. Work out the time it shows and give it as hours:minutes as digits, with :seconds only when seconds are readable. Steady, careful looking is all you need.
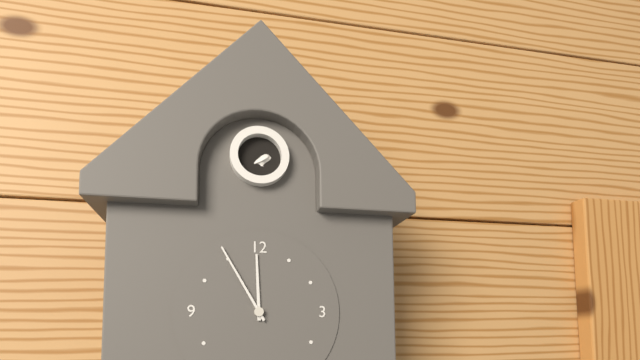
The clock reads 11:55
